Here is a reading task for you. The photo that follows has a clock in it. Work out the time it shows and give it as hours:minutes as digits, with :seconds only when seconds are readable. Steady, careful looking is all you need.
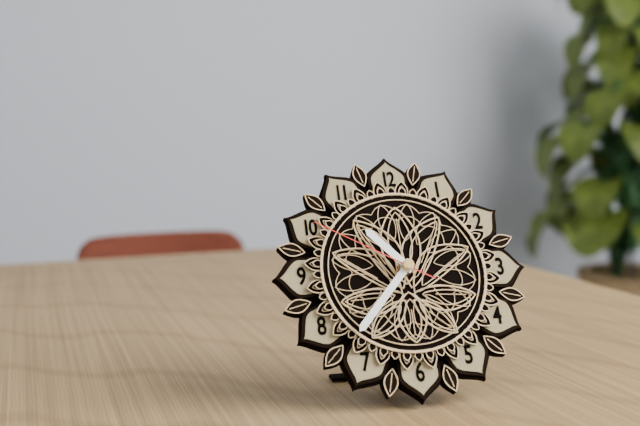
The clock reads 10:37:50
